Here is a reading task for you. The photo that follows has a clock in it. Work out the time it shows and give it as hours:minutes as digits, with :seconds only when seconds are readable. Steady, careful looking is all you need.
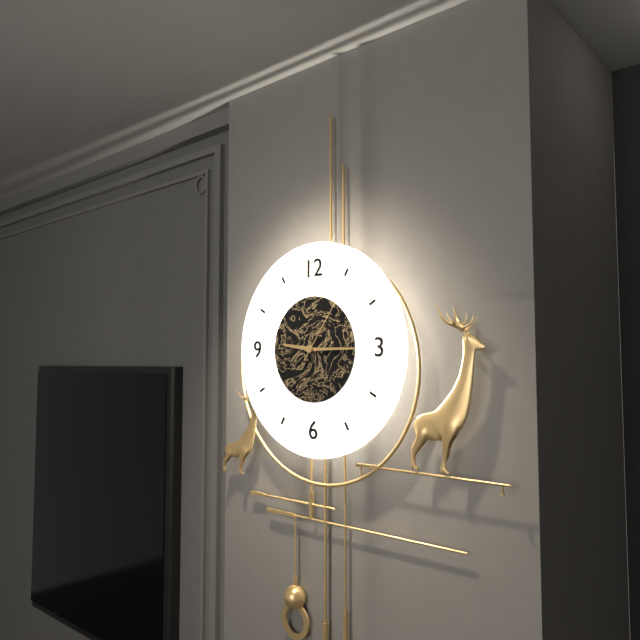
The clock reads 9:15:06
